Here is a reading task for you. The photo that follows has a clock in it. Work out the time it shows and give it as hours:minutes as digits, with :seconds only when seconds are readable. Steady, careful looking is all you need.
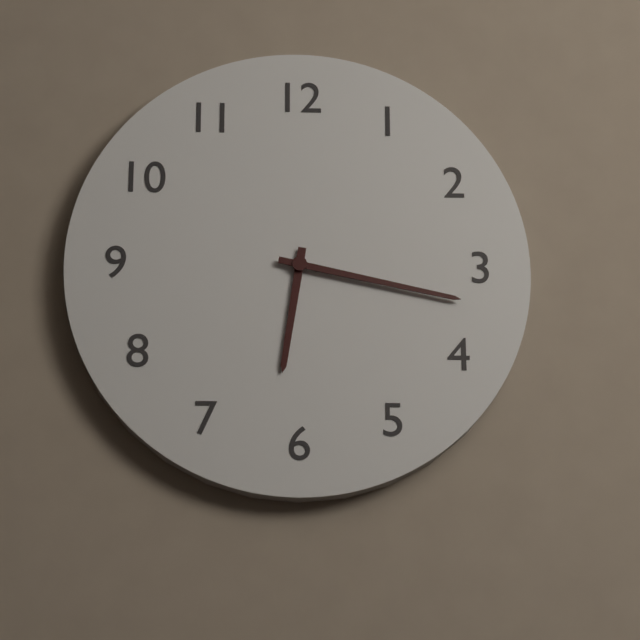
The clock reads 6:17
